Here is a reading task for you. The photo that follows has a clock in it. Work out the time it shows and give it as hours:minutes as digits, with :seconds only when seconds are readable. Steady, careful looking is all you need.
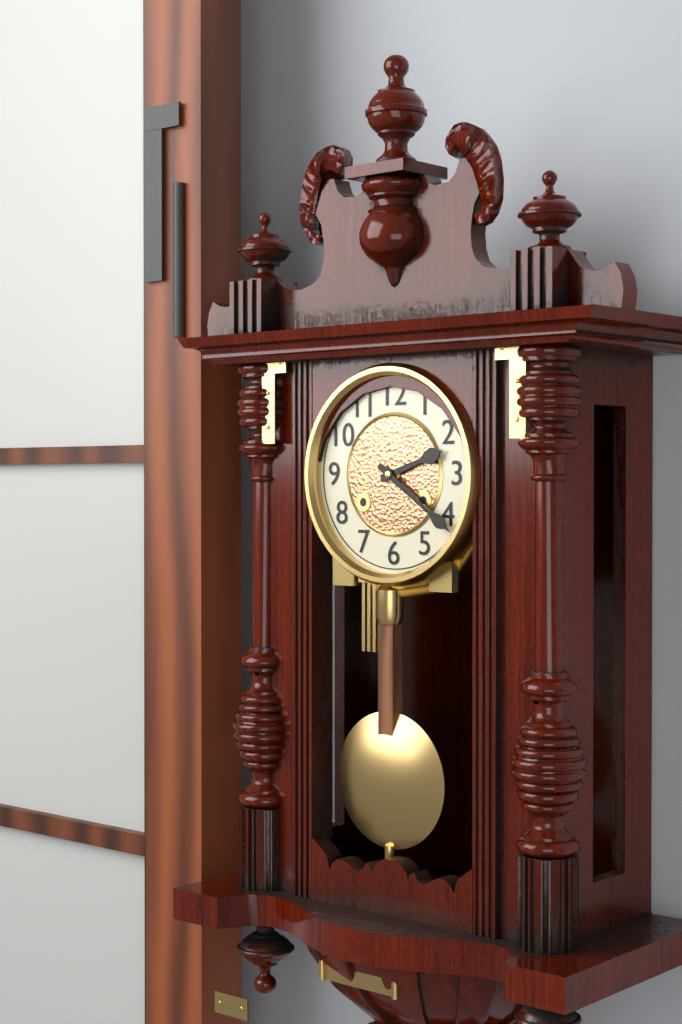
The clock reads 2:21
